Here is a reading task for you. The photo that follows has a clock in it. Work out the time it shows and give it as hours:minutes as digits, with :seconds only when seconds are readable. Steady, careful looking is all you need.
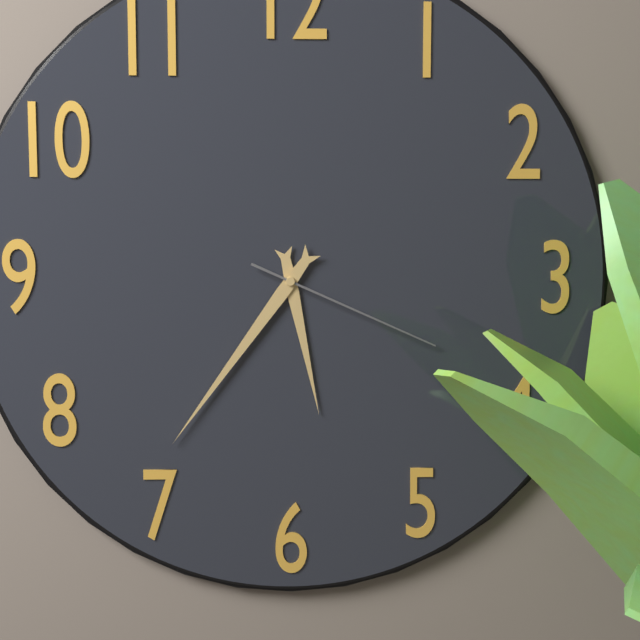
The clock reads 5:36:19
